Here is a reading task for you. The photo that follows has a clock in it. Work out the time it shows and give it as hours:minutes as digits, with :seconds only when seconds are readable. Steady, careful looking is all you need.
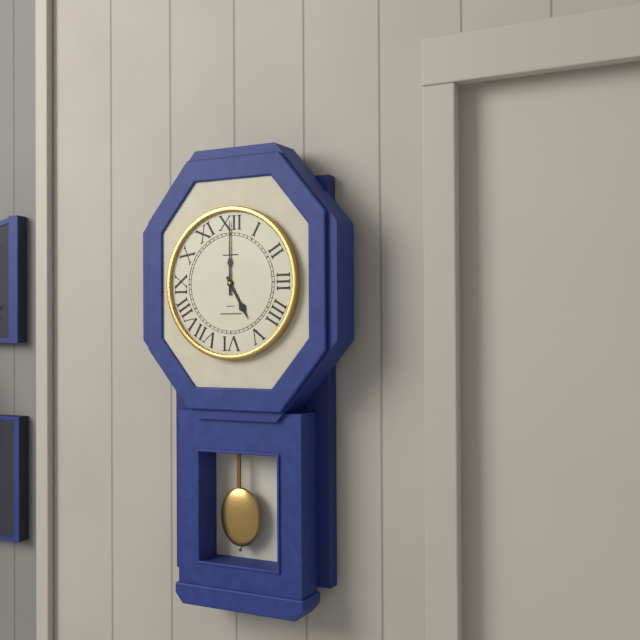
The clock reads 5:00
